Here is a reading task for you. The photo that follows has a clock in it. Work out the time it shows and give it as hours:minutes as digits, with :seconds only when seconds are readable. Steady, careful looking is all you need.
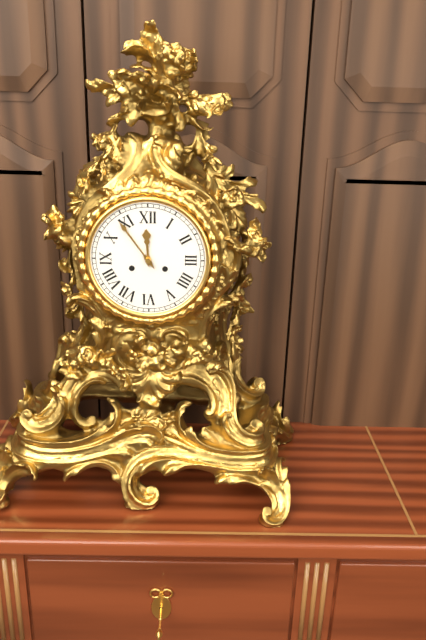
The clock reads 11:54
